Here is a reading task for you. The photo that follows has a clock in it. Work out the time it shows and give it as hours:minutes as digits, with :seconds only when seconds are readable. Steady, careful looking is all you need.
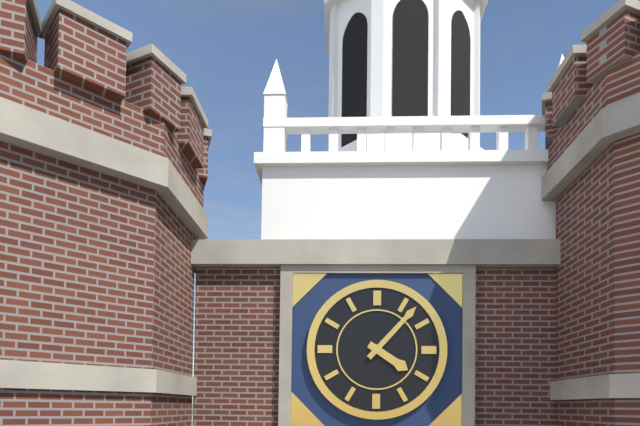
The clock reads 4:07
